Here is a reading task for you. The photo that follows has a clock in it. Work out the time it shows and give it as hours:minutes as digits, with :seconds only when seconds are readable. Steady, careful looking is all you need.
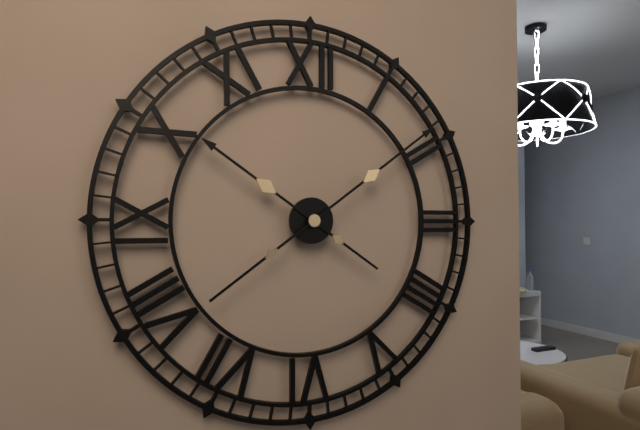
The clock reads 10:09
